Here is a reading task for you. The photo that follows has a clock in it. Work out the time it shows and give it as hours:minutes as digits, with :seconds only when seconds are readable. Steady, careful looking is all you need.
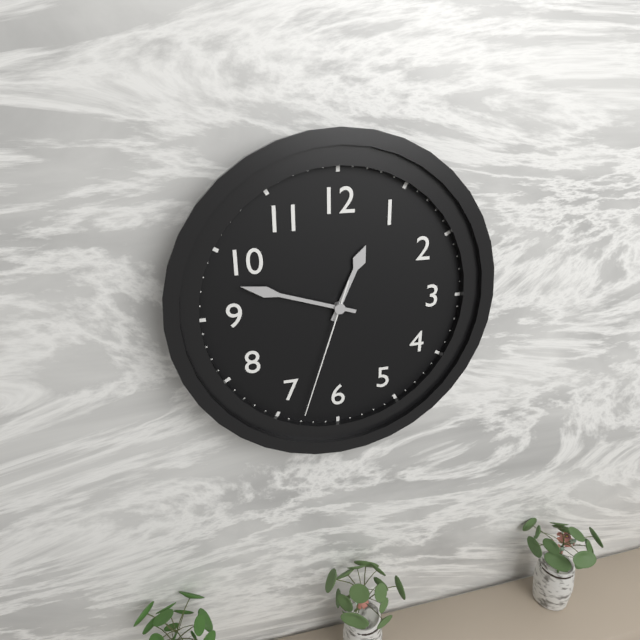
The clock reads 12:48:33
